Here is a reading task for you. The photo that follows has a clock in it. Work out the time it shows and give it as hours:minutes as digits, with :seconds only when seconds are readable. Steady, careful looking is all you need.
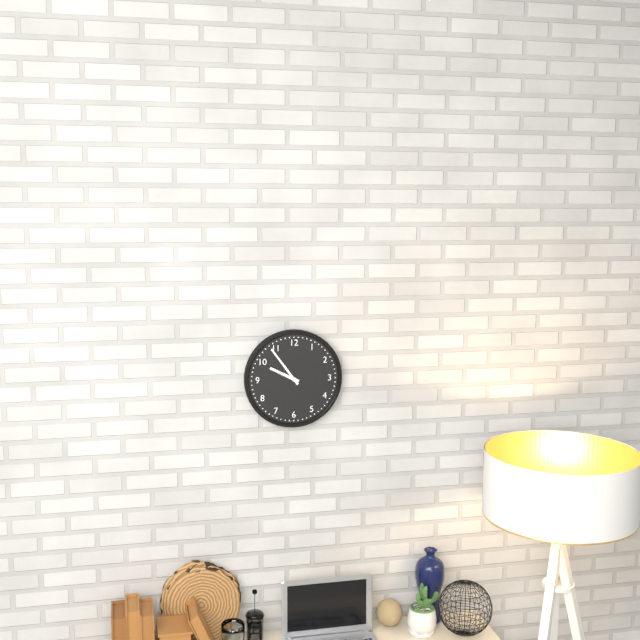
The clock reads 9:54
